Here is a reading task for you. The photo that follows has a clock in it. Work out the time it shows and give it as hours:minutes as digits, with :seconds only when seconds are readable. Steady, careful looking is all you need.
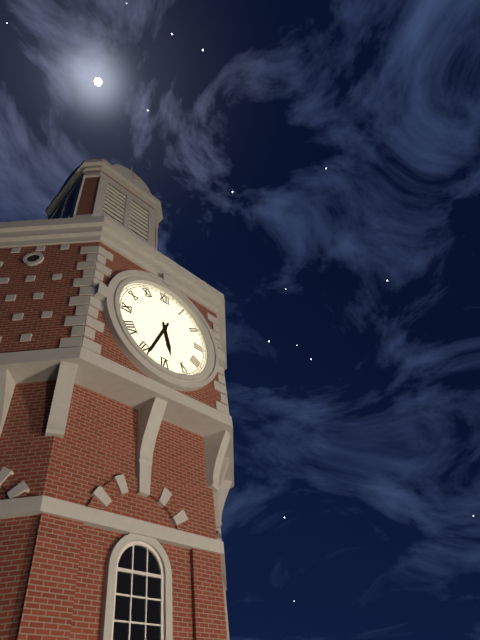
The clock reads 5:34
